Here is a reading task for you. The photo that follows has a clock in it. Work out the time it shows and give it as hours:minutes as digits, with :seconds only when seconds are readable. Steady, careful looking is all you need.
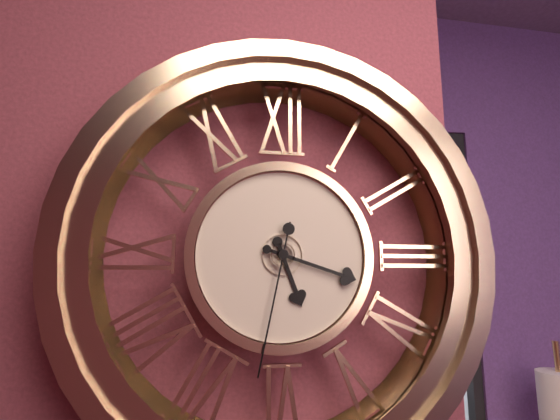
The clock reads 5:18:32
